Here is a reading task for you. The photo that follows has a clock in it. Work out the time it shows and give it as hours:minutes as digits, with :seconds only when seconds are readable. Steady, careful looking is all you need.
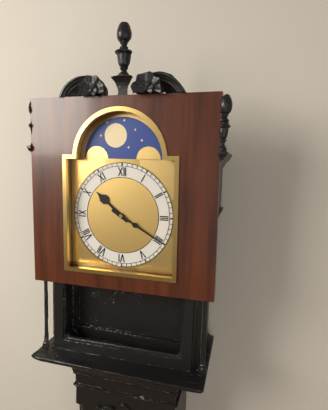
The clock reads 10:20
